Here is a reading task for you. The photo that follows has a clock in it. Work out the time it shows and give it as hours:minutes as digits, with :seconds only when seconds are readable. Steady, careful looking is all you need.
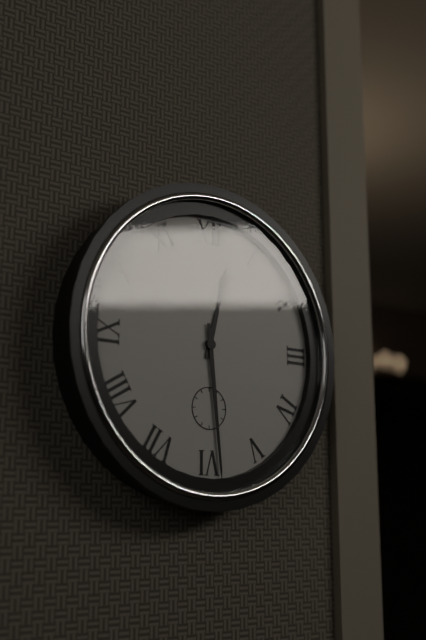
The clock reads 12:29
